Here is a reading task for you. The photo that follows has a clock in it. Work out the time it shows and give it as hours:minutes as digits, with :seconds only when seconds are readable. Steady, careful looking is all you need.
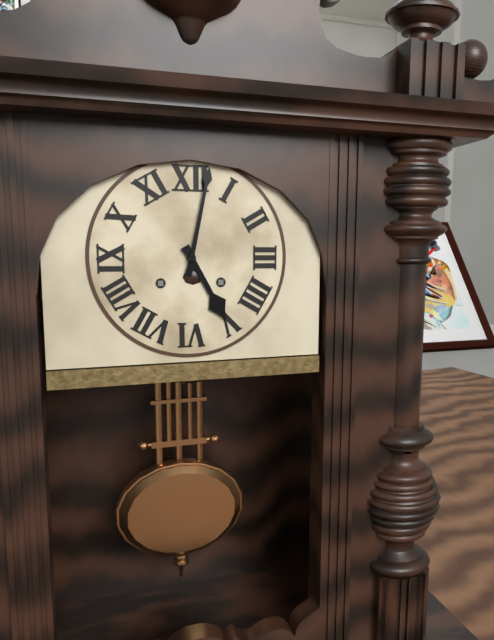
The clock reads 5:02
